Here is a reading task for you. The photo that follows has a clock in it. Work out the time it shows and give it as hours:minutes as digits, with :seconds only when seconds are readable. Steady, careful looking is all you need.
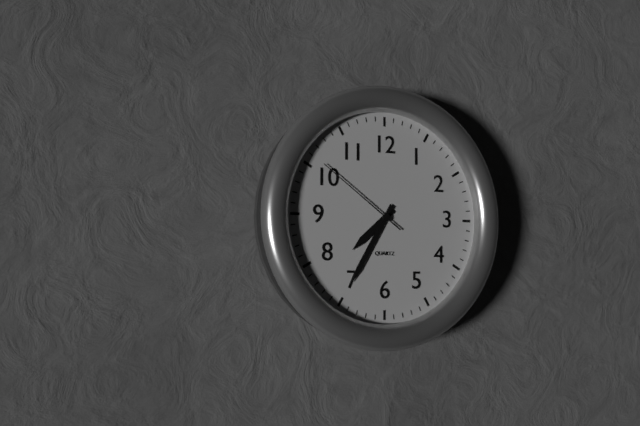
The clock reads 7:35:51
